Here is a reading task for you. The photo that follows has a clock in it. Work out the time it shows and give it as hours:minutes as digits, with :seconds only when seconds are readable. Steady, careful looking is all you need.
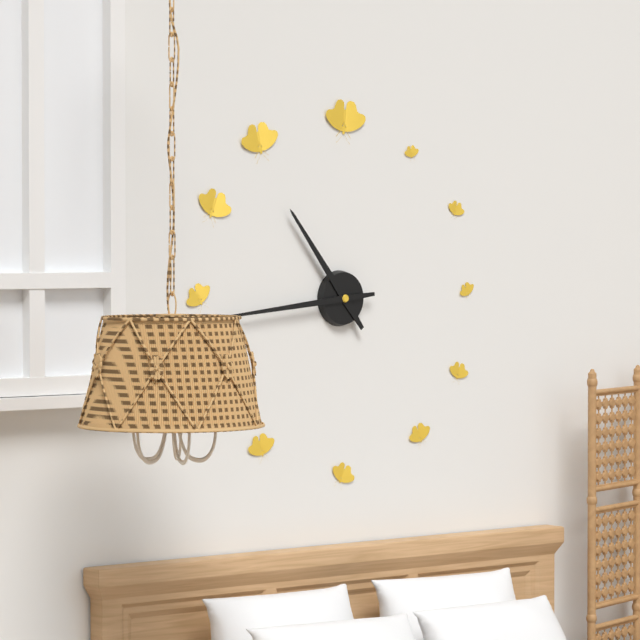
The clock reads 10:44
